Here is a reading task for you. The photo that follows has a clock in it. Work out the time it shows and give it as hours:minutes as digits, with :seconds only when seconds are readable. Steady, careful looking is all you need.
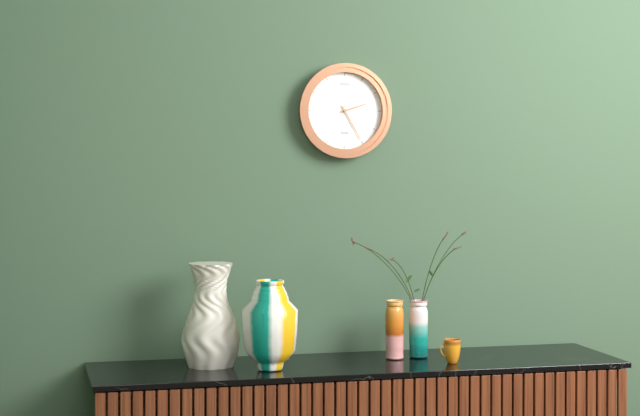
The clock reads 2:25
